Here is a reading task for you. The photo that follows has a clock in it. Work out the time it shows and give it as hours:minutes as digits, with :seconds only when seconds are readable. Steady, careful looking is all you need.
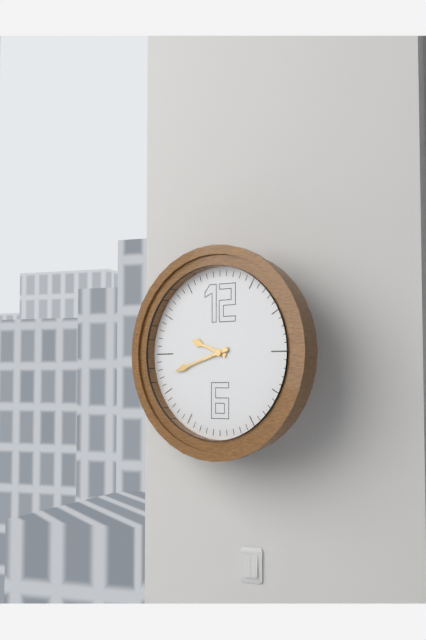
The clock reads 9:42
